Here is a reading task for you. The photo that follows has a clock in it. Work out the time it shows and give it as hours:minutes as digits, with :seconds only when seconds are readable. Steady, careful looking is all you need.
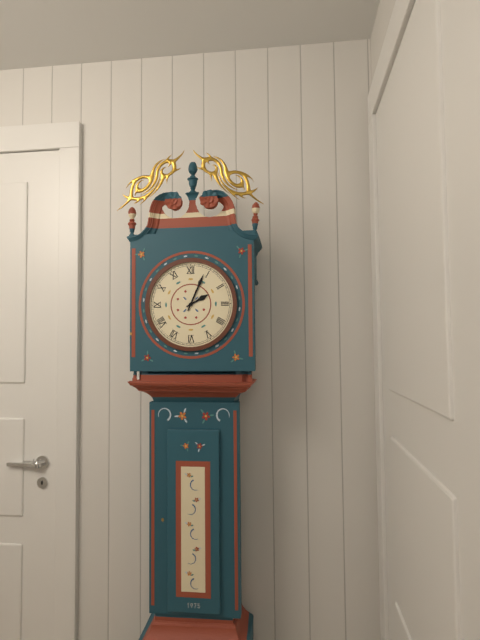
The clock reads 2:04
